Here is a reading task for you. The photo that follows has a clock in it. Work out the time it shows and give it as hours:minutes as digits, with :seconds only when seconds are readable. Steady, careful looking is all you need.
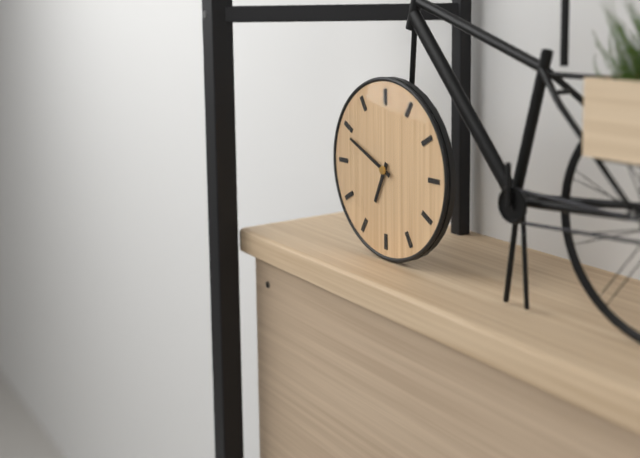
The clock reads 6:49
